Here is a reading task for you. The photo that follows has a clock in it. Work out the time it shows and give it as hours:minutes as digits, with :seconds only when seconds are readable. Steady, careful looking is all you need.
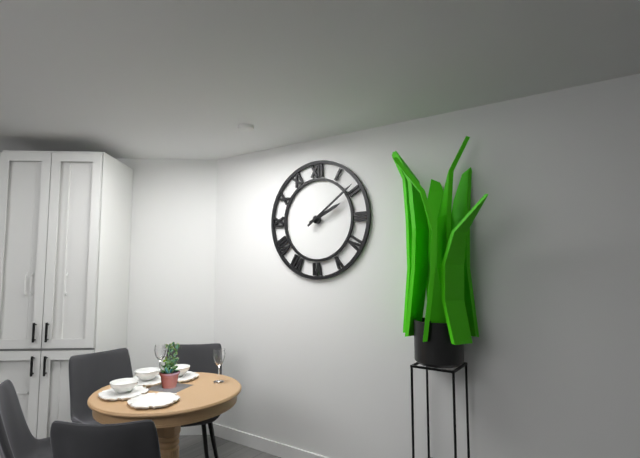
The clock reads 2:09
